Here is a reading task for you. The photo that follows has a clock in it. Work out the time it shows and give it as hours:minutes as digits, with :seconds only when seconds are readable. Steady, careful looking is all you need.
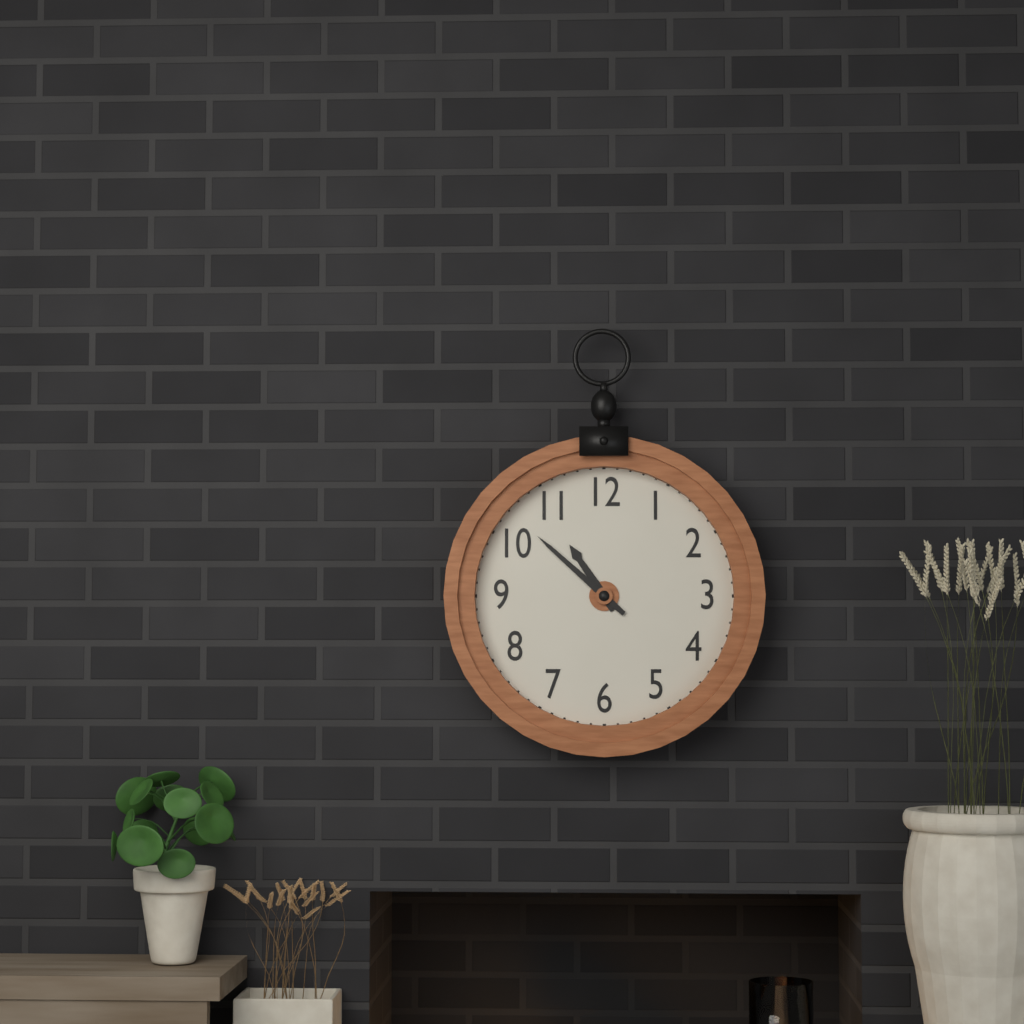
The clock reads 10:52
